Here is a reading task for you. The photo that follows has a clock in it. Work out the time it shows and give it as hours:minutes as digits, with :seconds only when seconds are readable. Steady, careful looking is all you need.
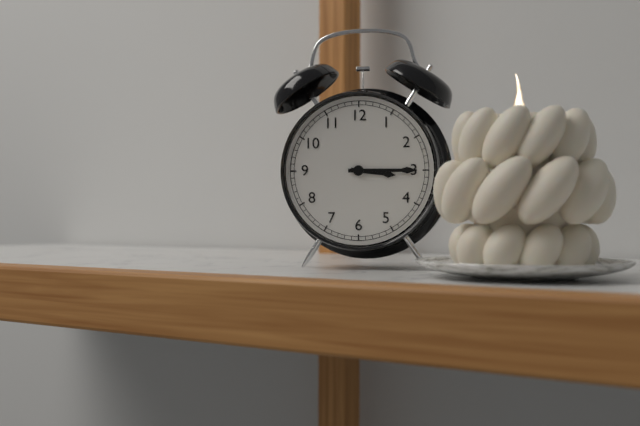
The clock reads 3:15
